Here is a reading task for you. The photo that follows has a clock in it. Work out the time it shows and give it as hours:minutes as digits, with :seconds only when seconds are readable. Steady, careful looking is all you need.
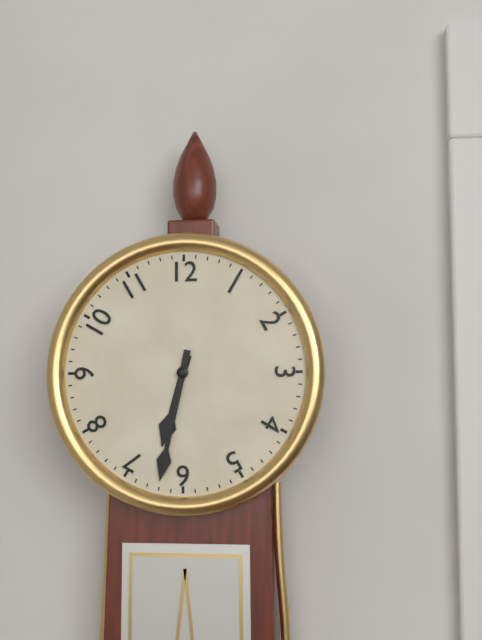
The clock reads 6:32
